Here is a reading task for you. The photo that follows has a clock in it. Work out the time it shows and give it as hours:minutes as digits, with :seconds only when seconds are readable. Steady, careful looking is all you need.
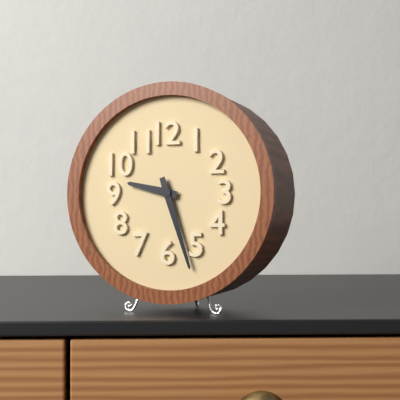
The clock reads 9:27
